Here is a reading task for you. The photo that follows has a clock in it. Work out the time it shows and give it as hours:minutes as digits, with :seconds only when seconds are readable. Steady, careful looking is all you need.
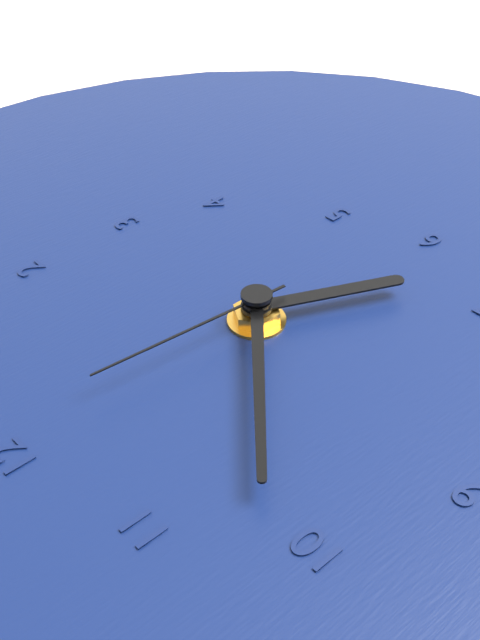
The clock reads 6:52:01
